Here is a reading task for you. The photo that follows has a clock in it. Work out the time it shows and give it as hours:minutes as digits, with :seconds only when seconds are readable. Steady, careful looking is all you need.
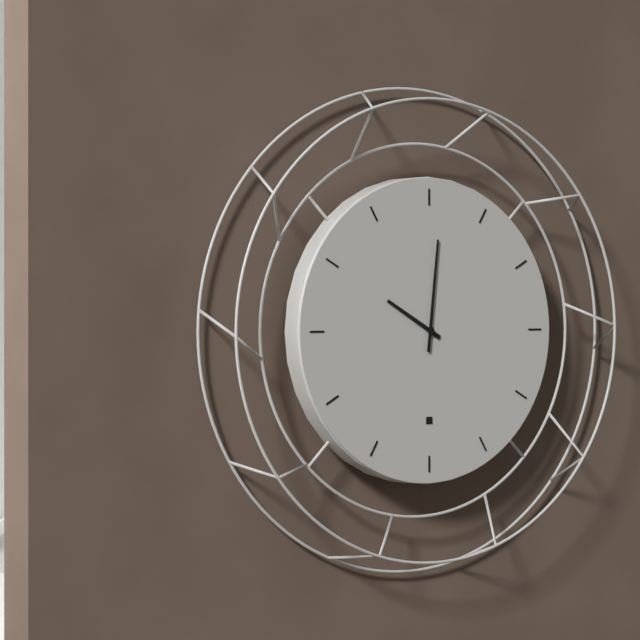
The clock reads 10:01
